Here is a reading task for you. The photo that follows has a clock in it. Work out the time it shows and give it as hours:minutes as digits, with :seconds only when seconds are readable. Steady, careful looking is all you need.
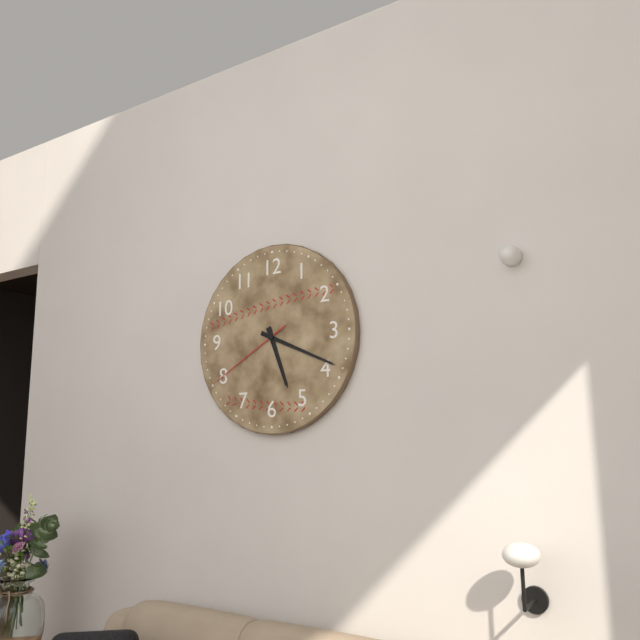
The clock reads 5:19:40
